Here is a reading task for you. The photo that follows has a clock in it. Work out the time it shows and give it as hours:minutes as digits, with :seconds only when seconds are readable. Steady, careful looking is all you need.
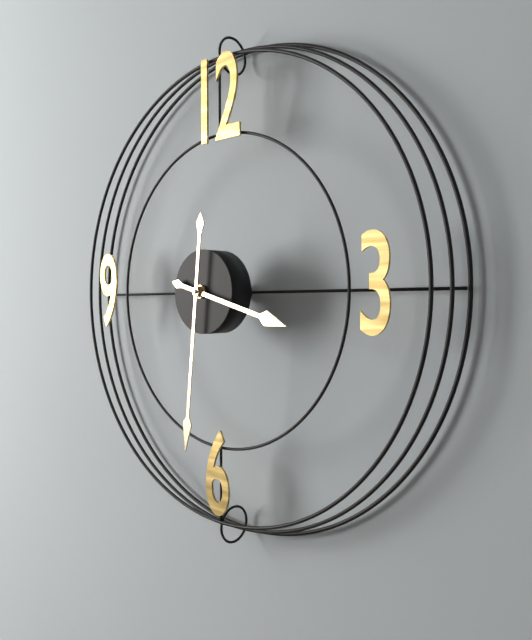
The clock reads 3:31
